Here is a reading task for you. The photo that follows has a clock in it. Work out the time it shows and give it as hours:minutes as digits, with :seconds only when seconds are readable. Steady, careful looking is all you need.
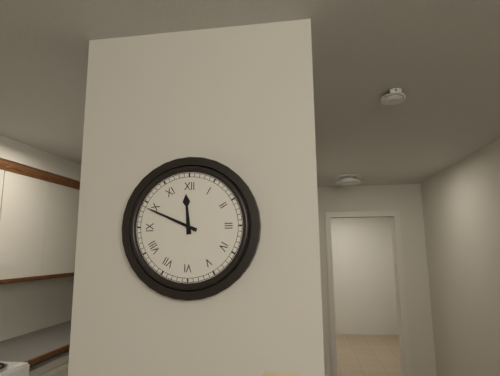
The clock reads 11:49
